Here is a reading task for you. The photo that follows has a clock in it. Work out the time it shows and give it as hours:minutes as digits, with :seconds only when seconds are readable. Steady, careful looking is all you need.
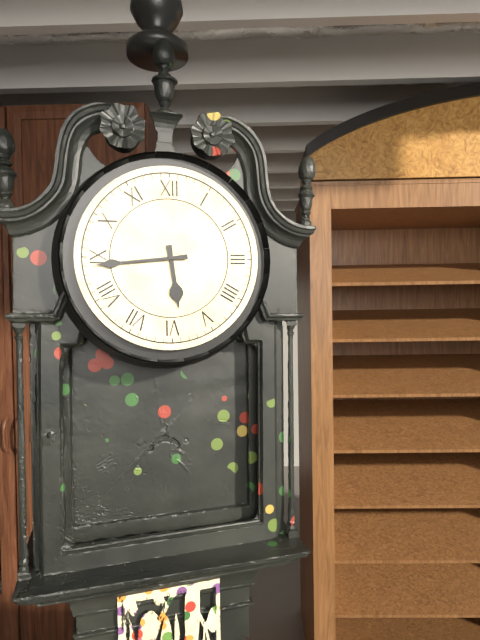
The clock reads 5:44
